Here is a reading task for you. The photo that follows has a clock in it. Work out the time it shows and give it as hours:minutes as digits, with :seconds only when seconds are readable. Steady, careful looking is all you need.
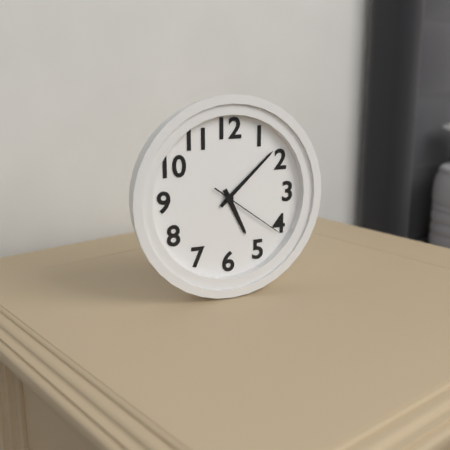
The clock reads 5:08:21
